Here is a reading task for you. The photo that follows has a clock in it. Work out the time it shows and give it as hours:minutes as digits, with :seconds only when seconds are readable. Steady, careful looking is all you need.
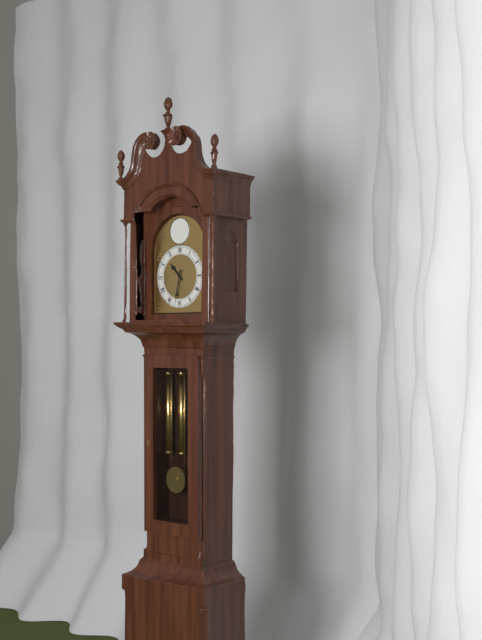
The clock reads 10:32
